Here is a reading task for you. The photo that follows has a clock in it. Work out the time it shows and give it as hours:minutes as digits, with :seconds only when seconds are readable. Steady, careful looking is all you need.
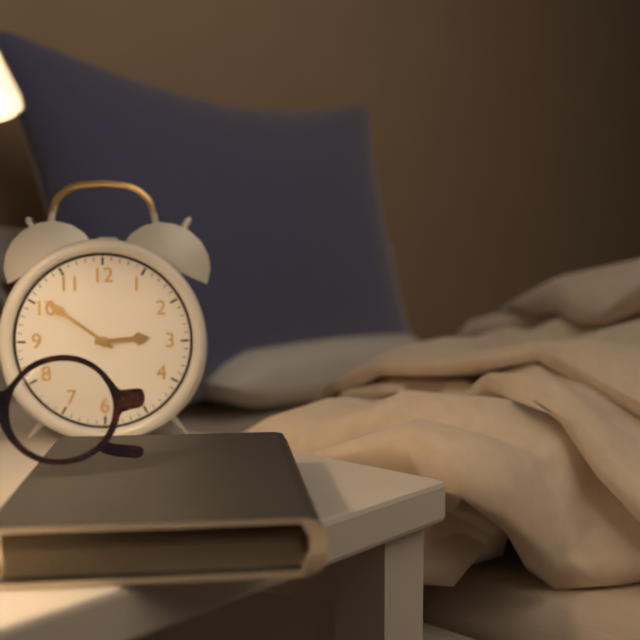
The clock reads 2:51
